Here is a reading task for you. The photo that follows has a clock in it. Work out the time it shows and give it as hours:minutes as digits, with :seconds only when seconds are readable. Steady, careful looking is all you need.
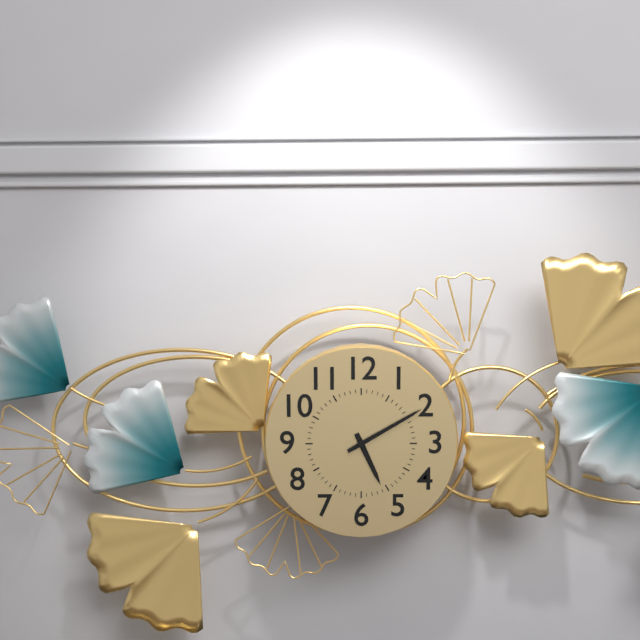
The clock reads 5:10
